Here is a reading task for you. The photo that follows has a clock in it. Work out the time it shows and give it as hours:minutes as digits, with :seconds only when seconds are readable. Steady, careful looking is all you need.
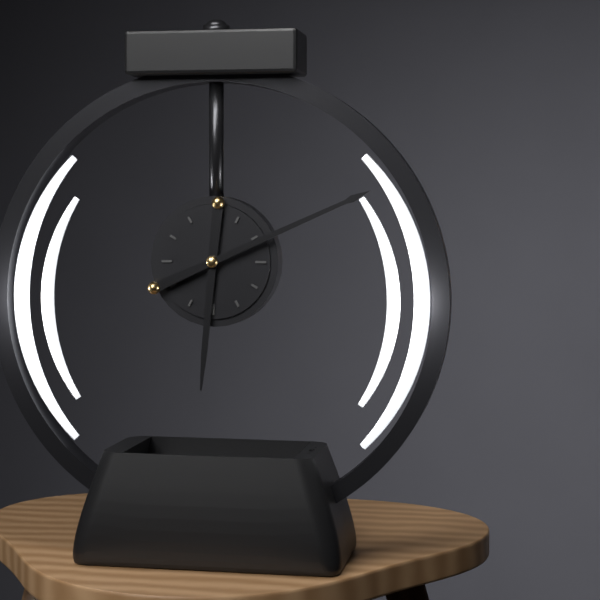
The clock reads 6:11
